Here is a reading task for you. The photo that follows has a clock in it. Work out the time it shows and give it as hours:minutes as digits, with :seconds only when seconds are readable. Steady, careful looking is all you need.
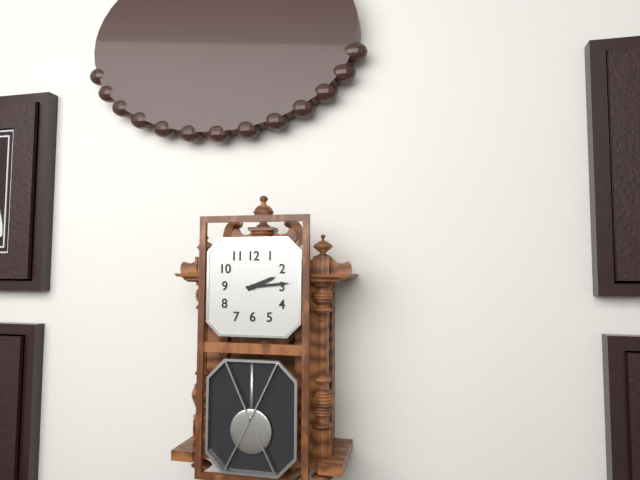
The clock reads 2:14
